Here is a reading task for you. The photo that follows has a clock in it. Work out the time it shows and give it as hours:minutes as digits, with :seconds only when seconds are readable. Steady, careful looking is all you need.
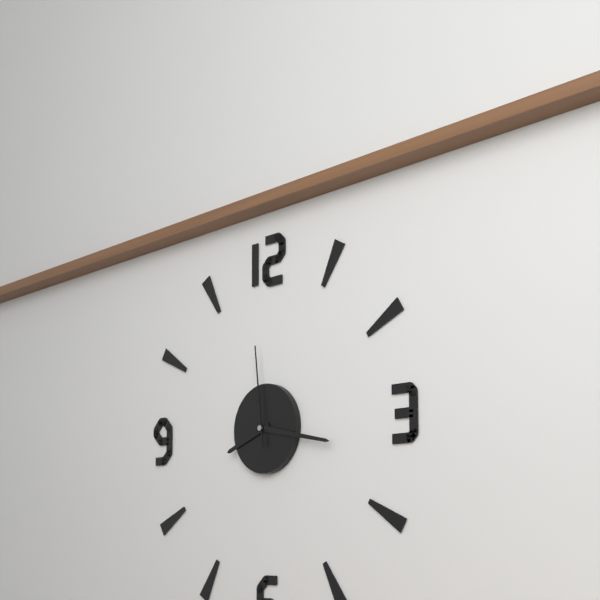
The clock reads 8:17:59
